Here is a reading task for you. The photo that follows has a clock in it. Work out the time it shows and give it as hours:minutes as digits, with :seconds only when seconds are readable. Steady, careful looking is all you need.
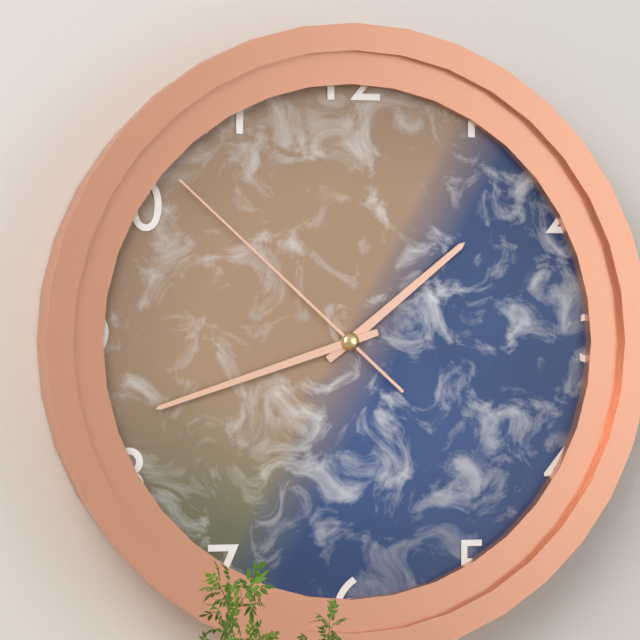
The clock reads 1:42:52
